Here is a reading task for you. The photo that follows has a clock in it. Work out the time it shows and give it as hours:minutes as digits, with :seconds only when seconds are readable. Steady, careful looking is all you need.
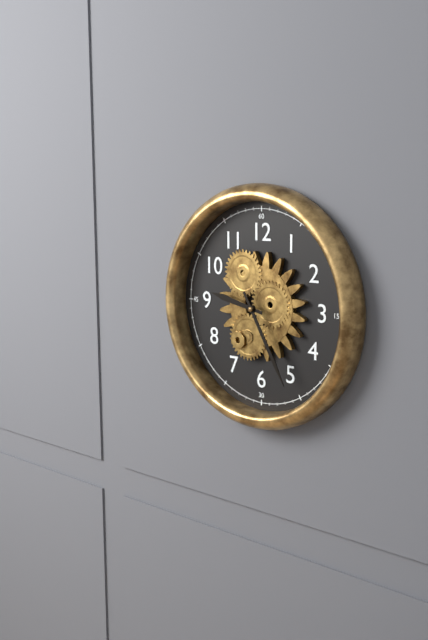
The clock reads 9:25
